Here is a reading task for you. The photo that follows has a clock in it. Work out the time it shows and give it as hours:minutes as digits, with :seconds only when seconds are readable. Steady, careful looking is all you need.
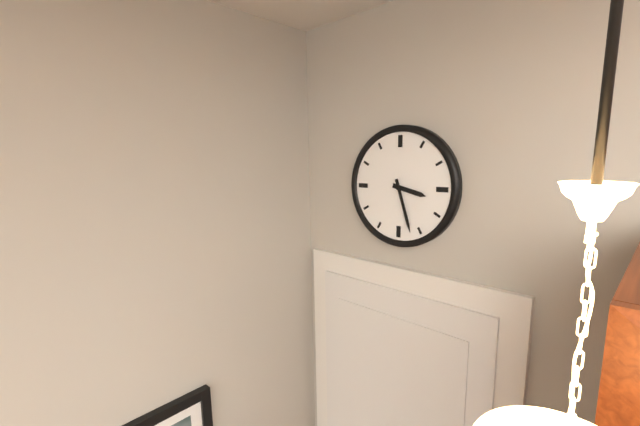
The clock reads 3:27
